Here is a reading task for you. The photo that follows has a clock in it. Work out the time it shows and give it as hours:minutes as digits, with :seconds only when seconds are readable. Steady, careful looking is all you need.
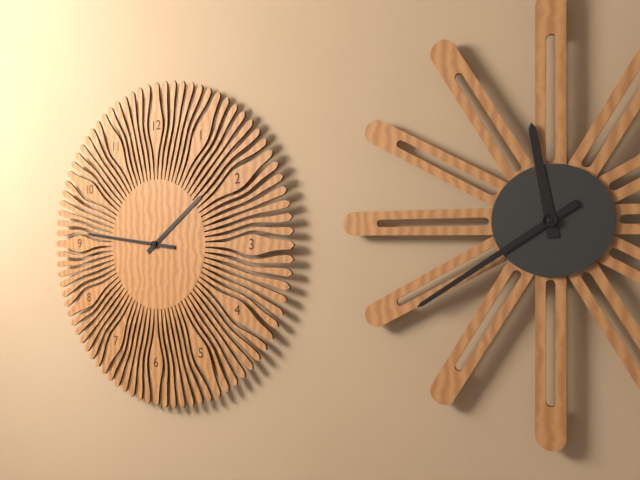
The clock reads 1:46
